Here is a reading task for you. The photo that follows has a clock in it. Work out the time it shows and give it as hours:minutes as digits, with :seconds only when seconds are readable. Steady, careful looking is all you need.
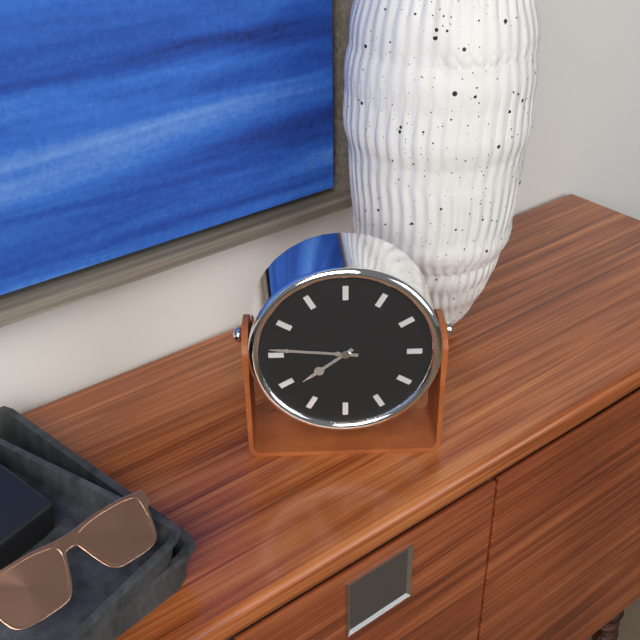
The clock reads 7:46
